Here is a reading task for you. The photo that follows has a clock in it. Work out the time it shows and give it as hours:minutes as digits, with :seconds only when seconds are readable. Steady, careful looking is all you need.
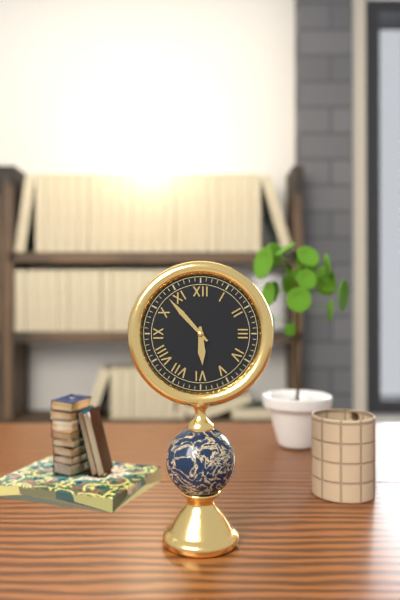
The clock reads 5:53
